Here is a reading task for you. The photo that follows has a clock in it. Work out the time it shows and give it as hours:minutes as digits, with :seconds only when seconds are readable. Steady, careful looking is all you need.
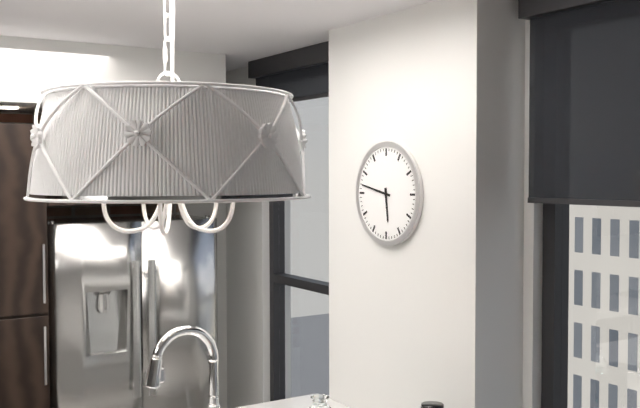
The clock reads 5:47
